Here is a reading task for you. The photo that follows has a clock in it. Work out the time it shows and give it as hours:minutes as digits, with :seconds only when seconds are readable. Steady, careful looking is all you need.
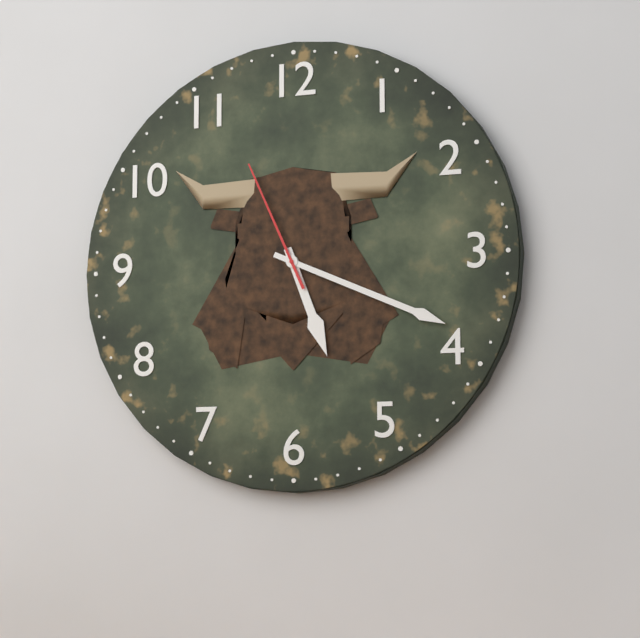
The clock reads 5:19:56
